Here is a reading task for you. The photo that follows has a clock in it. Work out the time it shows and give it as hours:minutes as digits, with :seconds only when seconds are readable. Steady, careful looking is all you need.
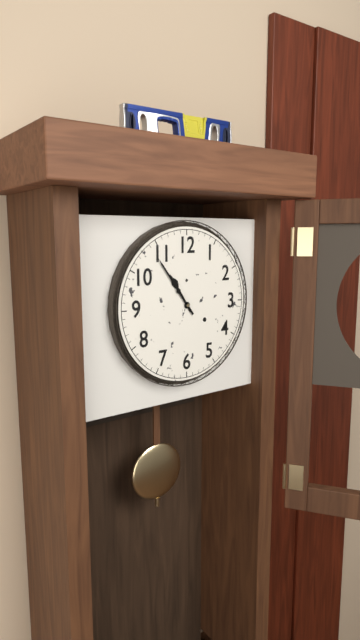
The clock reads 10:54
